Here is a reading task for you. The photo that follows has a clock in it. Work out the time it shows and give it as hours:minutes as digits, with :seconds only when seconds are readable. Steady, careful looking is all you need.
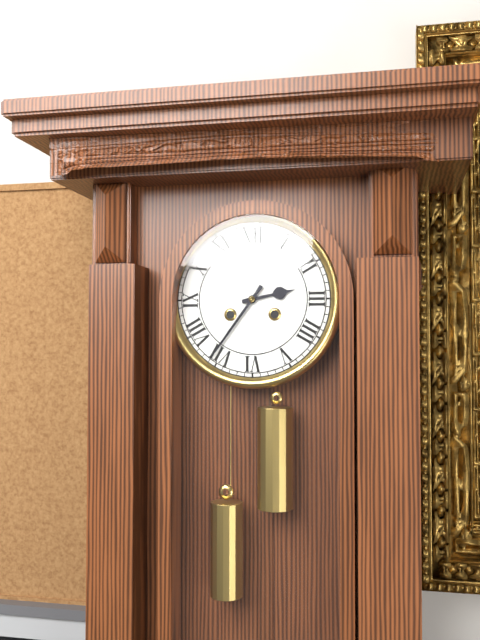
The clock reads 2:36
